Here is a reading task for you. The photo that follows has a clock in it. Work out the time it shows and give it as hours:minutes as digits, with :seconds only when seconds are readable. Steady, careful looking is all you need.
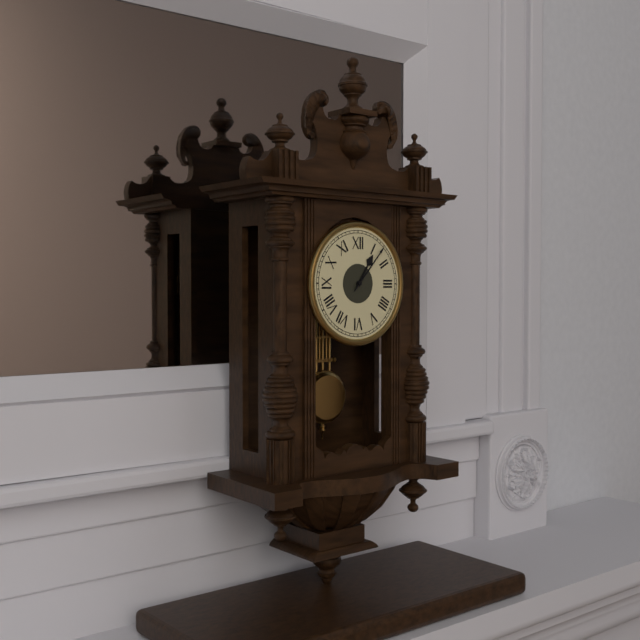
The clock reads 1:07
